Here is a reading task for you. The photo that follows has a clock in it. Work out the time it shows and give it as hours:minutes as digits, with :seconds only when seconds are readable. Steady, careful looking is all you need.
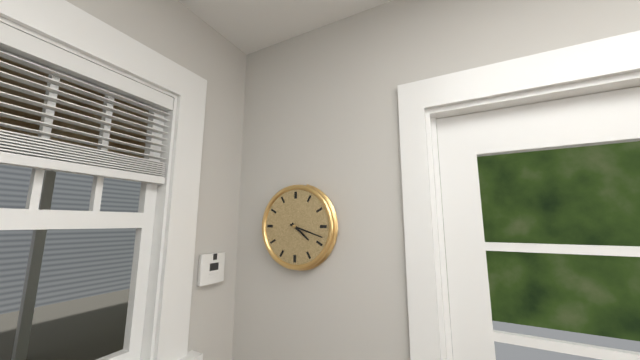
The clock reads 4:18
